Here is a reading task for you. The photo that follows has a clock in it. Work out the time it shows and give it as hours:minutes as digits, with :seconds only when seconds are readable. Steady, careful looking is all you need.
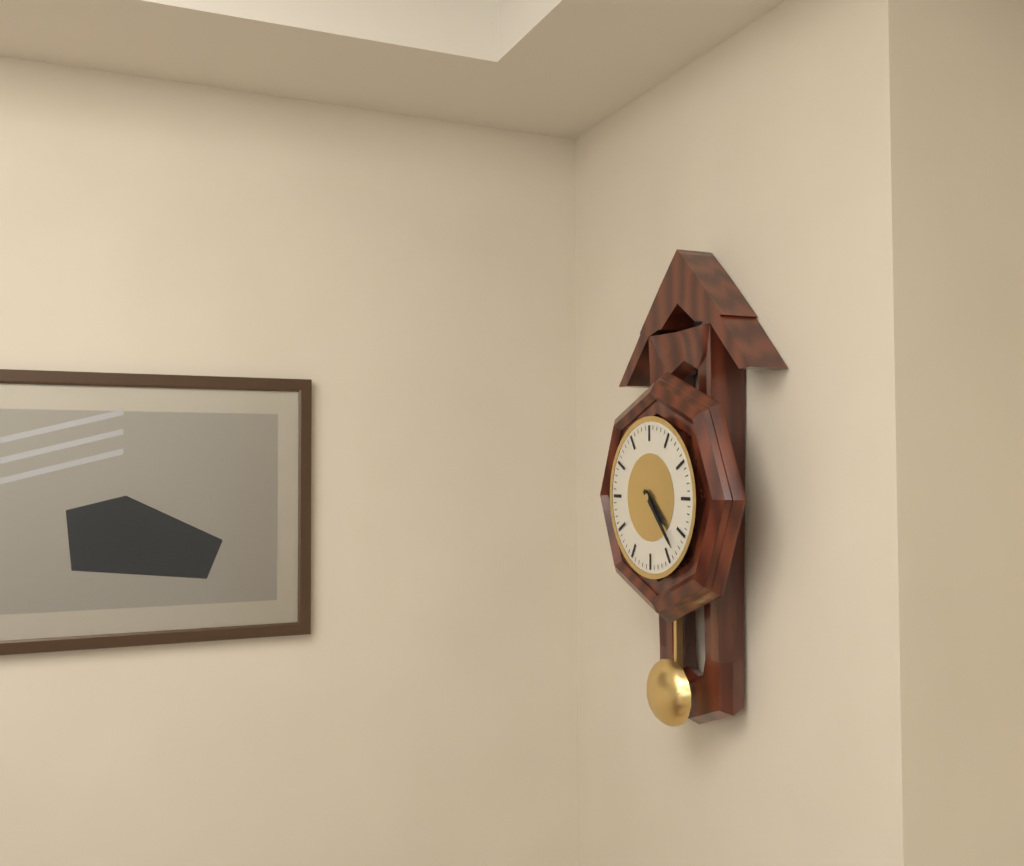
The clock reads 4:23
